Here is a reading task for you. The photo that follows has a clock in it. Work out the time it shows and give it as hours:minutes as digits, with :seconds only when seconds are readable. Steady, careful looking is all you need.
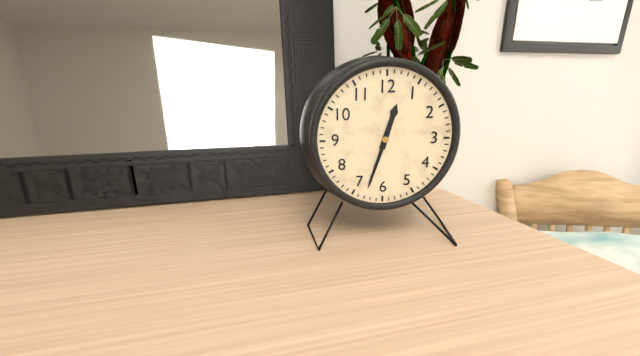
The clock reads 12:33
